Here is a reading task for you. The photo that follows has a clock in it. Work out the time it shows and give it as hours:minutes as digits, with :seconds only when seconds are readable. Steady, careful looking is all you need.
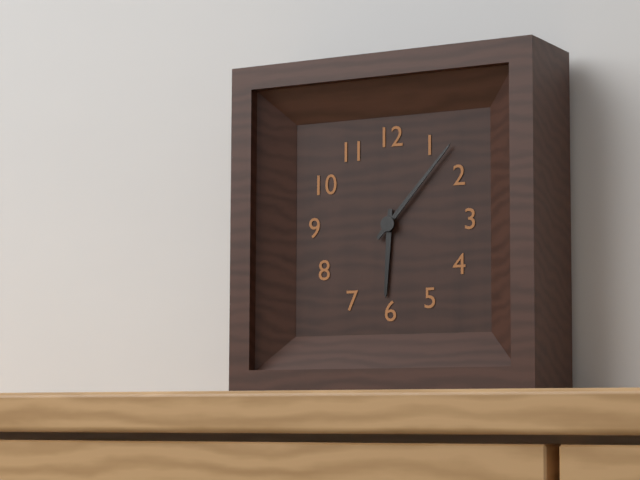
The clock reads 6:07
